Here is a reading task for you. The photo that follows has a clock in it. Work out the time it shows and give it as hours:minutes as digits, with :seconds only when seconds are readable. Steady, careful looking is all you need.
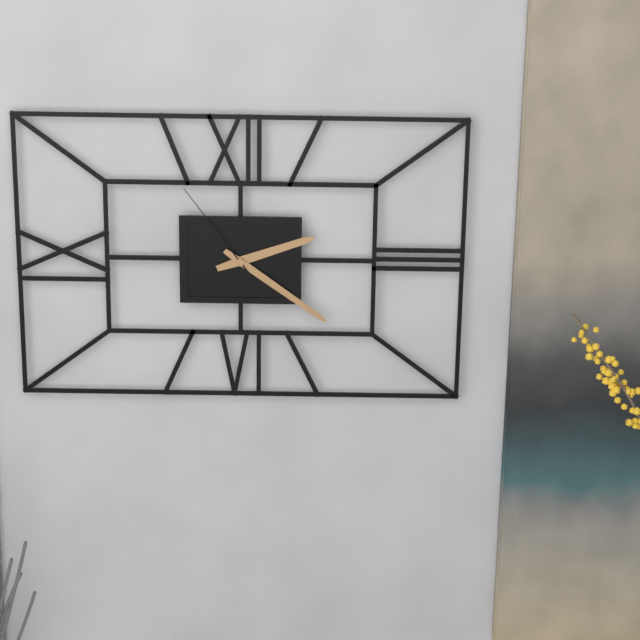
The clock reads 2:21:54
